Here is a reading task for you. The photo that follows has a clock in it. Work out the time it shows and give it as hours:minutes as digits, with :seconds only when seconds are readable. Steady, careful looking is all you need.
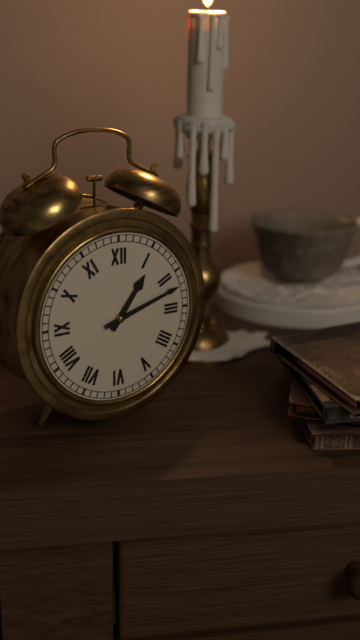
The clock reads 1:12
